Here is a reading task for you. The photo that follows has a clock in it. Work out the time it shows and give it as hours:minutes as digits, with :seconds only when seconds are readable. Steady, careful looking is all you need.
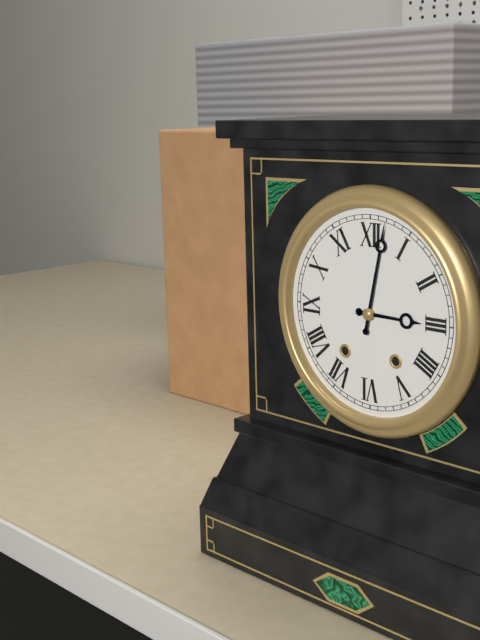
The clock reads 3:02
